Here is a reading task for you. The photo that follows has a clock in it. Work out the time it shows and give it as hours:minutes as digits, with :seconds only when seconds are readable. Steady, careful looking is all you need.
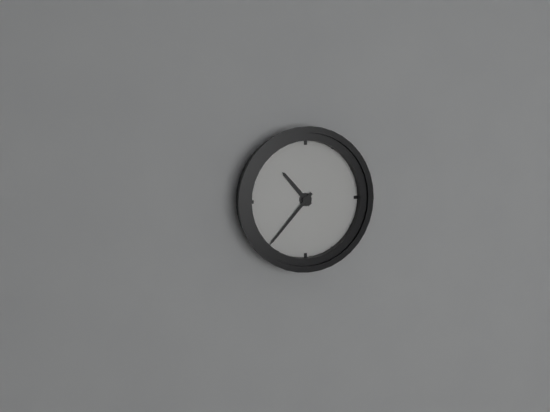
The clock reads 10:37
